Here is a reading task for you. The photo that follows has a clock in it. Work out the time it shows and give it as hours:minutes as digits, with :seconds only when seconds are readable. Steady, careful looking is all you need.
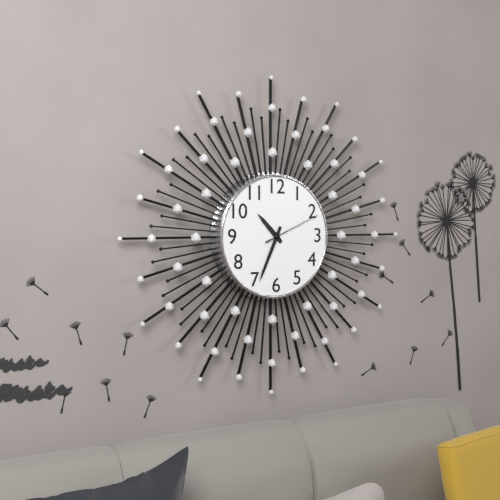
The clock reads 10:34:11
